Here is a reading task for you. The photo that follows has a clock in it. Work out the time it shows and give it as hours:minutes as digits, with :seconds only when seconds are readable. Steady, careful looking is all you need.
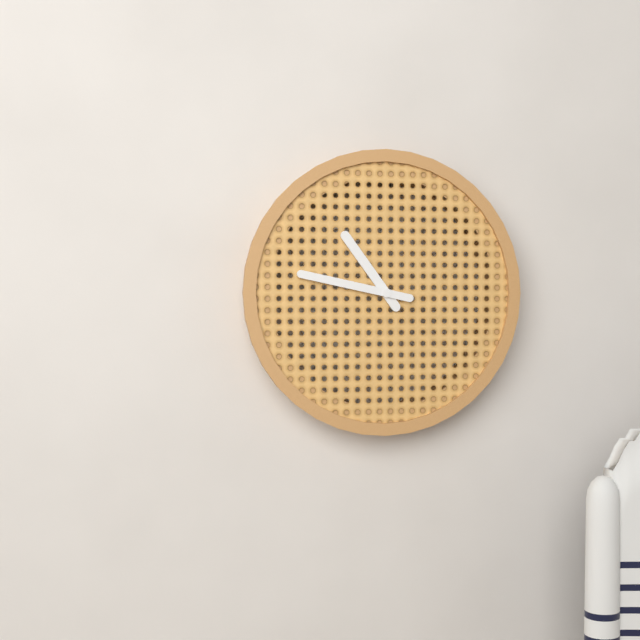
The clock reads 10:47
